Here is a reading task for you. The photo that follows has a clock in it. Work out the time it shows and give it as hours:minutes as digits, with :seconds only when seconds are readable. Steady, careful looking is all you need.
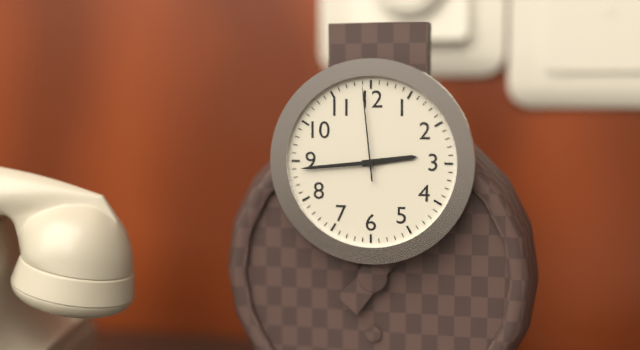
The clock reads 2:44:59
